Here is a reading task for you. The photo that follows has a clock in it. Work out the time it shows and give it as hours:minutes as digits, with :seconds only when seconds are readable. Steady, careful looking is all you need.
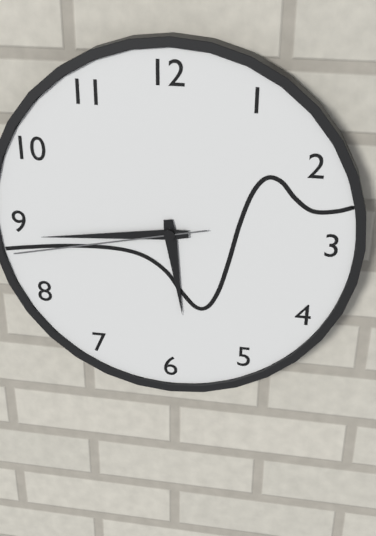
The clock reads 5:44:43
